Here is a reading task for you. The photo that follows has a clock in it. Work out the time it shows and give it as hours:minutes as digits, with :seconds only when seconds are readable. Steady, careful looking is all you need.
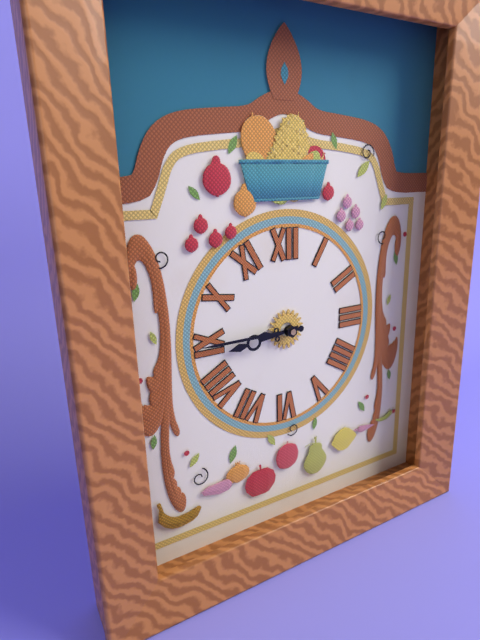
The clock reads 8:45
